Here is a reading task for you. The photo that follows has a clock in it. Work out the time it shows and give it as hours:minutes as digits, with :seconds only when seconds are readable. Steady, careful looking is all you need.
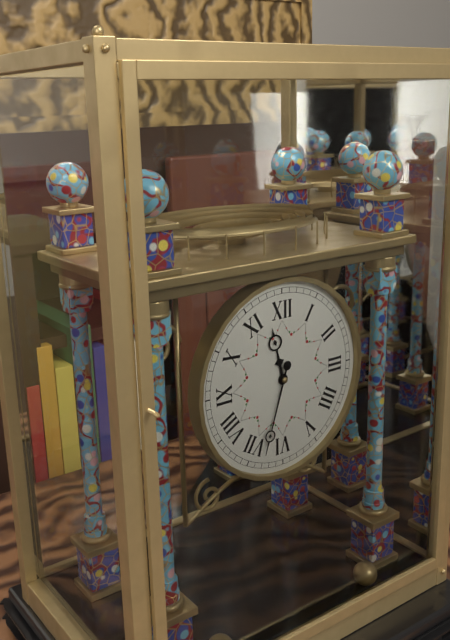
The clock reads 11:33
